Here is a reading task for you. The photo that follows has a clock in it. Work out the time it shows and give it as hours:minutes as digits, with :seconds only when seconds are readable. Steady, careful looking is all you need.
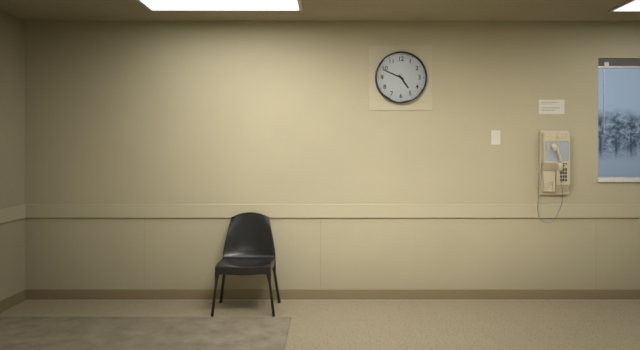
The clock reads 4:49
